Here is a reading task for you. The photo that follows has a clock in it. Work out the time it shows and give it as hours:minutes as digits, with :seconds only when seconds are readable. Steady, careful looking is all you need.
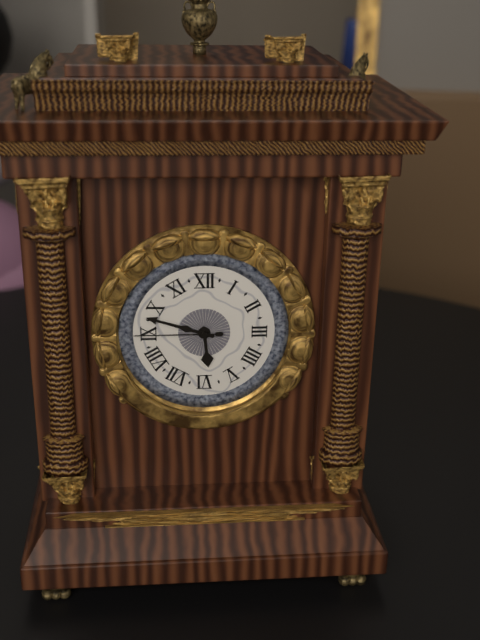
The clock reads 5:48:45
